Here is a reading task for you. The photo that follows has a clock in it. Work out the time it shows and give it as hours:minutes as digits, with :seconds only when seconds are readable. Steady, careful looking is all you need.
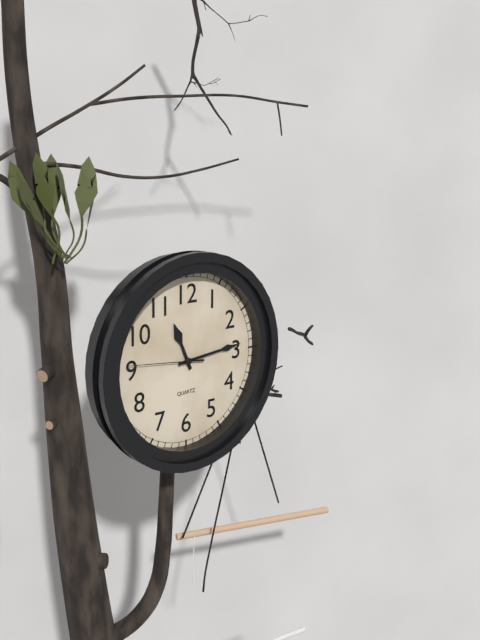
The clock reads 11:14:46
